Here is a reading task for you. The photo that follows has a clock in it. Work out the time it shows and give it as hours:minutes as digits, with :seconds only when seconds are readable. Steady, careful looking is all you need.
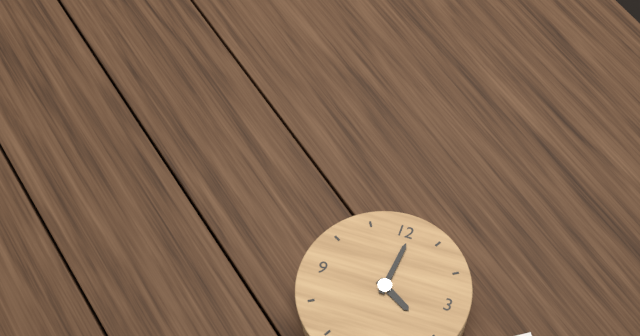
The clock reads 4:01
